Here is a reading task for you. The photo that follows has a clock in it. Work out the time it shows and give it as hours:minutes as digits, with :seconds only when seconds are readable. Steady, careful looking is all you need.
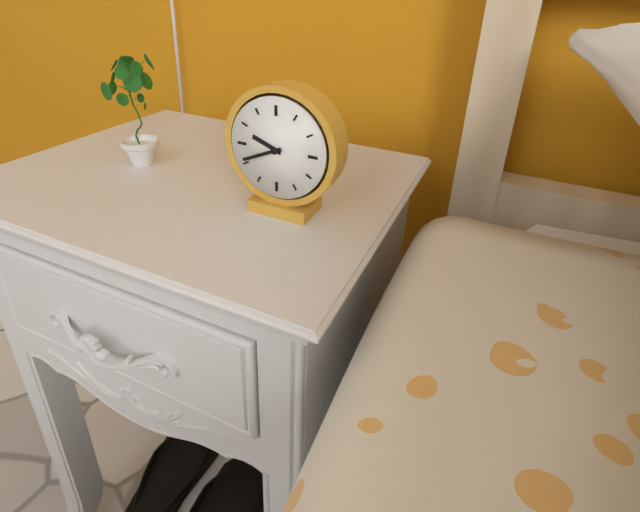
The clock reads 9:41
